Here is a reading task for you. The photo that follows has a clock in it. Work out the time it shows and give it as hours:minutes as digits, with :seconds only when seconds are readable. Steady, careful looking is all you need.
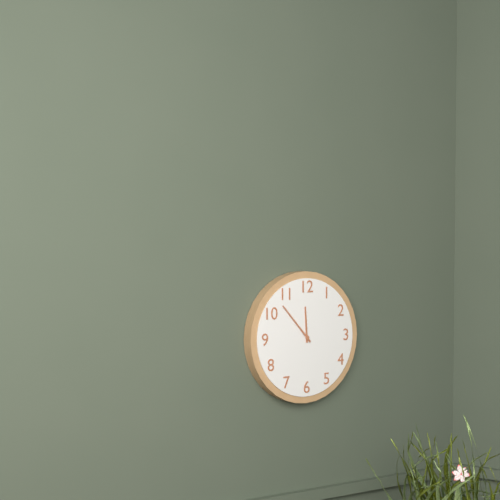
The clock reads 11:53
